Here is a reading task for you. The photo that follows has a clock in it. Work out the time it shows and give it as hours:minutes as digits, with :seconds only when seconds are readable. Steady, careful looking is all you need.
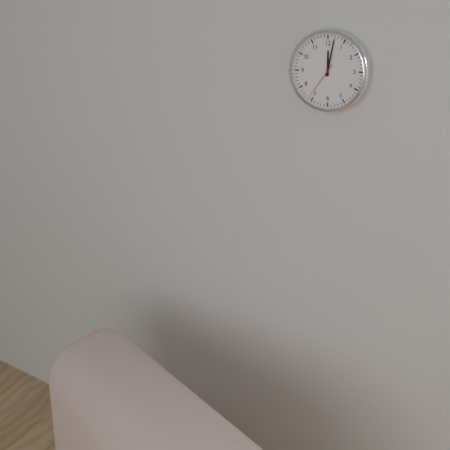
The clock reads 12:02
